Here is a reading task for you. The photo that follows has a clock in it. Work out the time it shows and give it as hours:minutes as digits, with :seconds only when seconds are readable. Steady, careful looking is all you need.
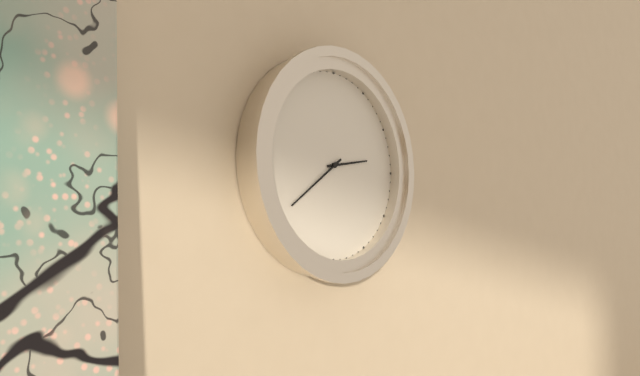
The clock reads 2:39
